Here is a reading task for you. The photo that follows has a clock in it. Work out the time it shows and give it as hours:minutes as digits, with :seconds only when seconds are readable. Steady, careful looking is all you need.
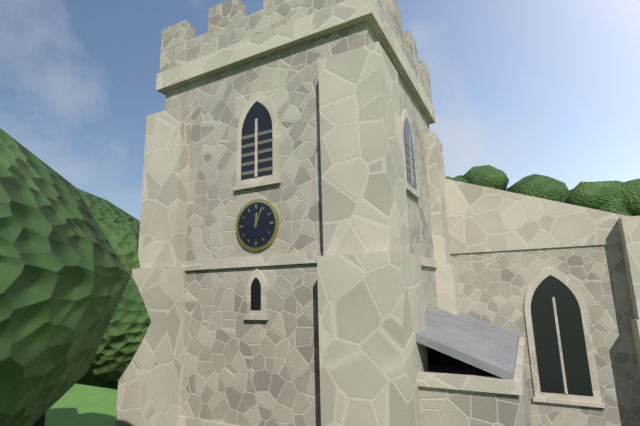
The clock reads 12:04
